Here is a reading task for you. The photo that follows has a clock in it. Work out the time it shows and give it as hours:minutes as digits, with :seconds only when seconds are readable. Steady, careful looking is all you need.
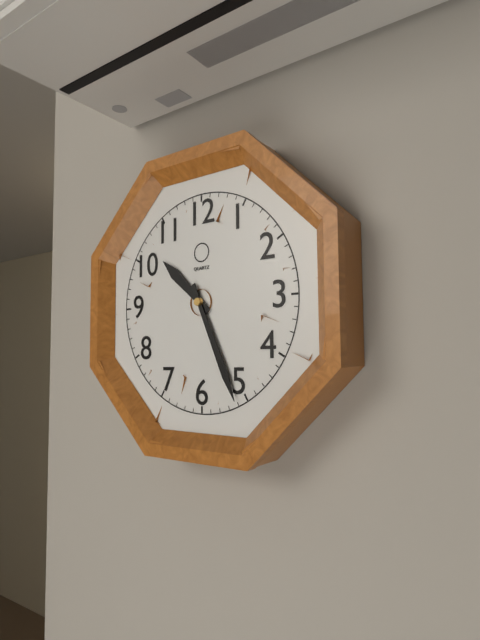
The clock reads 10:26
